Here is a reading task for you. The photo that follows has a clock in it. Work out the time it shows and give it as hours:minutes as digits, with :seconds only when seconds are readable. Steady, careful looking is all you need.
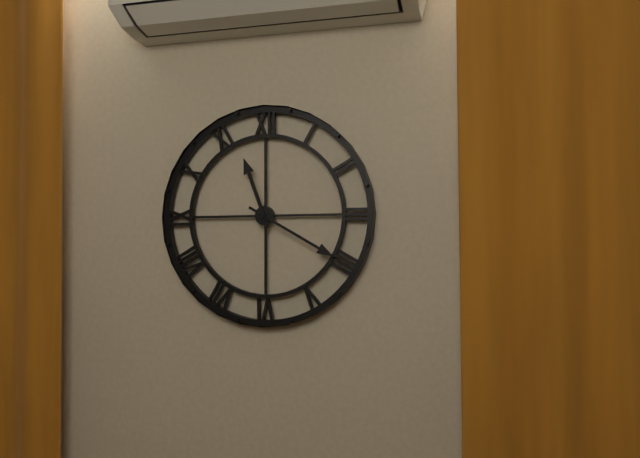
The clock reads 11:20
